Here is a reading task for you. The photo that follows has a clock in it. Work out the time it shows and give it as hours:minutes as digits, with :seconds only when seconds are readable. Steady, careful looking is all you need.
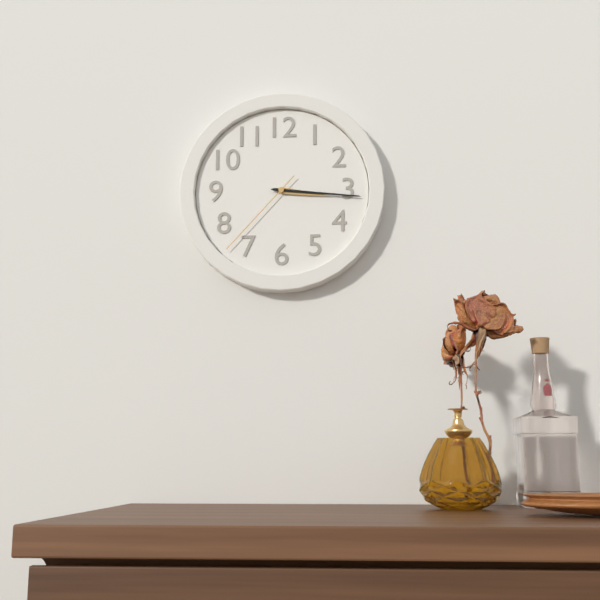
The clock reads 3:16:37
